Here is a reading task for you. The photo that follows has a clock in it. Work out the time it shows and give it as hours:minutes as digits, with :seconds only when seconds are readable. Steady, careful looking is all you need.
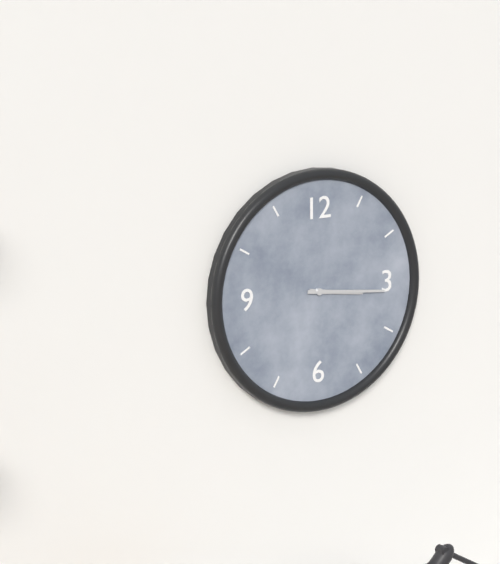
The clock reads 3:16
